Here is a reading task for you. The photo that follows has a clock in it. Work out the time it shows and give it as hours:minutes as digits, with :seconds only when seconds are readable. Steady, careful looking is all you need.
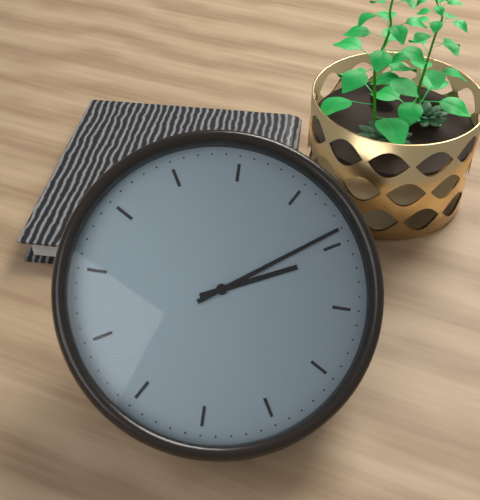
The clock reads 2:09
